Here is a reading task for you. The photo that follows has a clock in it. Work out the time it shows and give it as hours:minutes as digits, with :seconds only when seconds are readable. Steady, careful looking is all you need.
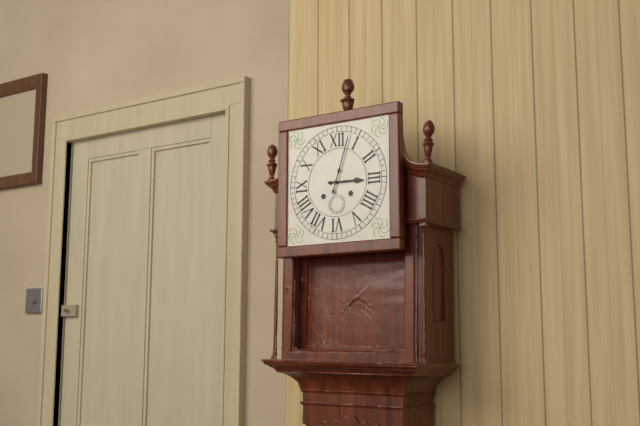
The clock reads 3:03
